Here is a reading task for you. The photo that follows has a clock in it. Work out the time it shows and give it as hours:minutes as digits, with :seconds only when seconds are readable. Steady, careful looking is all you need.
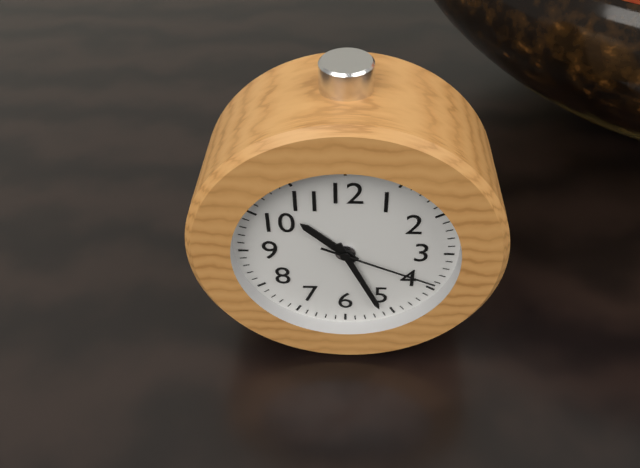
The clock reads 10:26:19
